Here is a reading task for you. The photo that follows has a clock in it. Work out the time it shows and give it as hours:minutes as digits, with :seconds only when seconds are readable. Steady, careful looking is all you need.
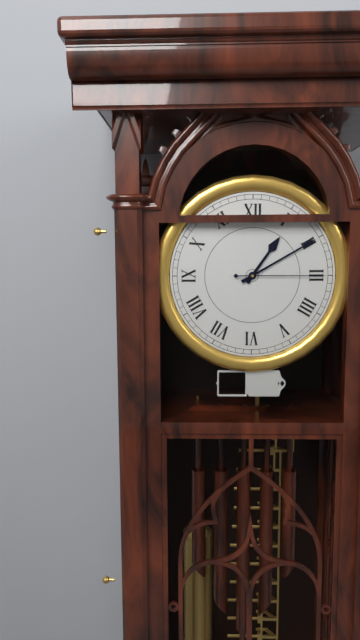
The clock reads 1:10:15
